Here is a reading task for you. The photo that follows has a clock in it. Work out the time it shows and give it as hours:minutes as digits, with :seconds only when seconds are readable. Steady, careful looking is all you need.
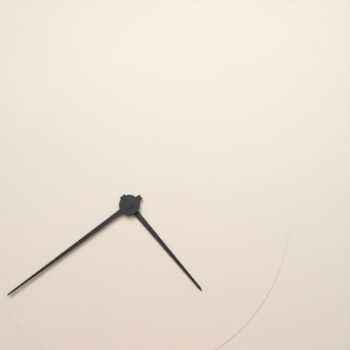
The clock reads 4:39
